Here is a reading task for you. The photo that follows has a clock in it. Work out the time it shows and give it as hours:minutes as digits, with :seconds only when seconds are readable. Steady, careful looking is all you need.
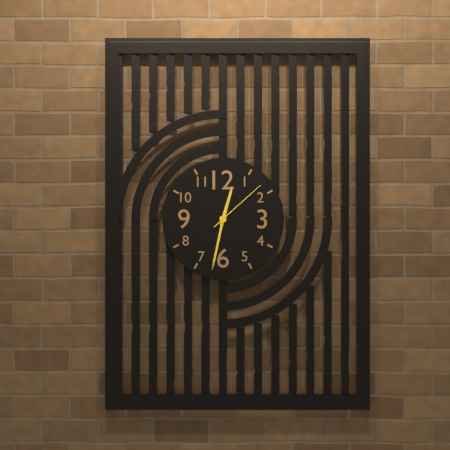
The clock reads 12:32:08
